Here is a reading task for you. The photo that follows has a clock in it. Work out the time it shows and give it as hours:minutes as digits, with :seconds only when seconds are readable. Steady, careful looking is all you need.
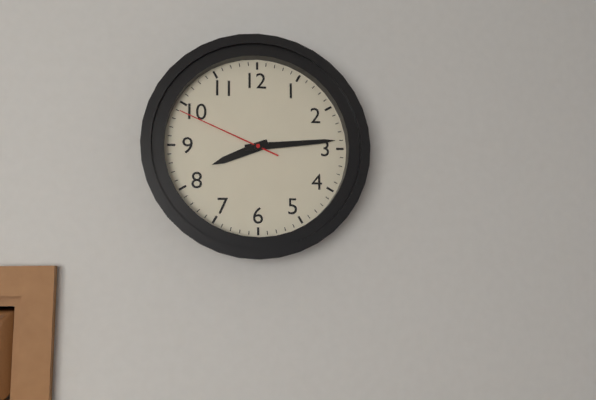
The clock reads 8:14:49
